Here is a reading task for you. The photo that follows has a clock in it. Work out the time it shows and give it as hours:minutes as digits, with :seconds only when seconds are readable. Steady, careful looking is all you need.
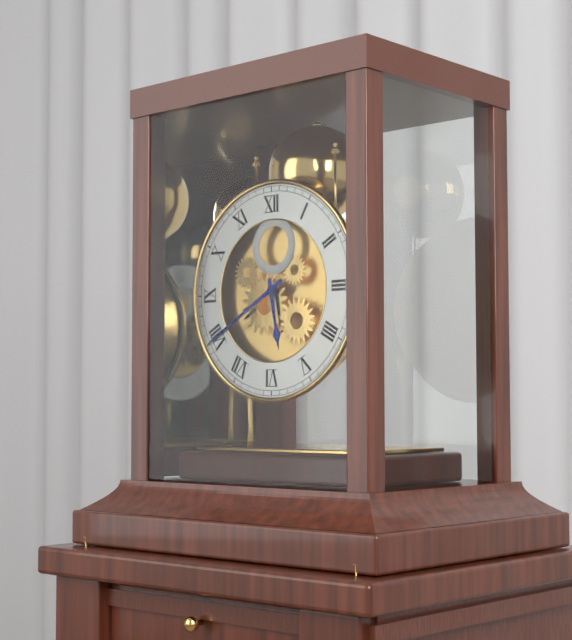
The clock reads 5:40
